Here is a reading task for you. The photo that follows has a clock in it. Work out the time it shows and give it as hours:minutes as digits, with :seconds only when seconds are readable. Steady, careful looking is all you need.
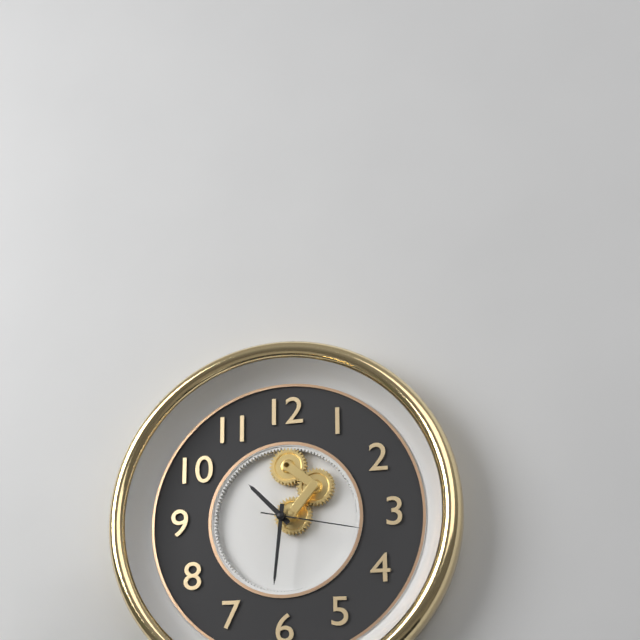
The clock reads 10:31:17
